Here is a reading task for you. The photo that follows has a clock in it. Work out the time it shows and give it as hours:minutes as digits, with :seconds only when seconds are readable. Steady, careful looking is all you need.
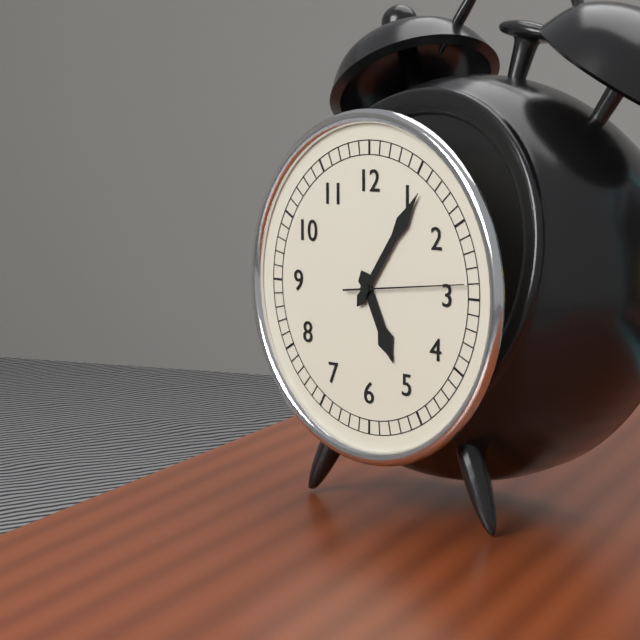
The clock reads 5:06:14
